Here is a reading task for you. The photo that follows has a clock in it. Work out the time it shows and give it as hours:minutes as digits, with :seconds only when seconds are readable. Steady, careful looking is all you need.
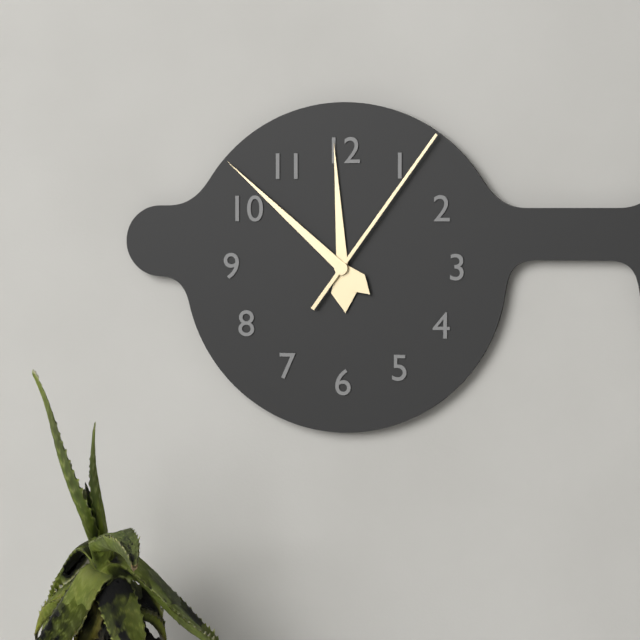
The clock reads 11:52:06
